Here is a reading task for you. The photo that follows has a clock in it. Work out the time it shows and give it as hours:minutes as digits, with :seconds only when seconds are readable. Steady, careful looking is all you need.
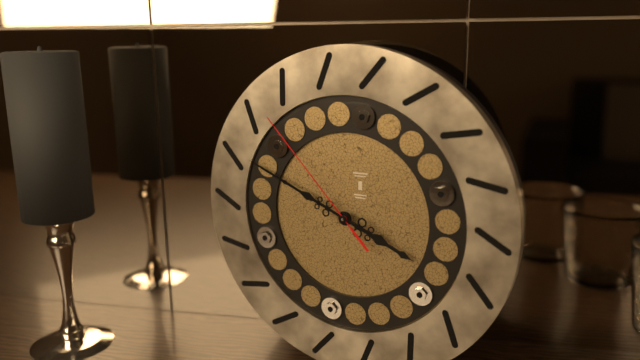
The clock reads 3:49:53
